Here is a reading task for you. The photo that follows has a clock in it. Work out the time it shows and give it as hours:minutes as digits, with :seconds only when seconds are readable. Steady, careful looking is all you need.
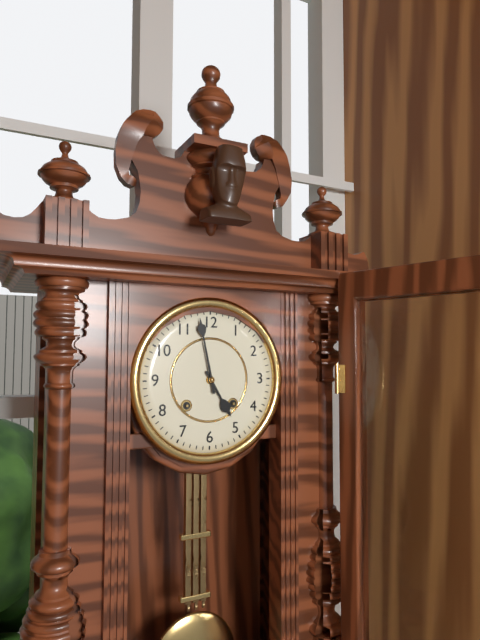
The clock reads 4:58
